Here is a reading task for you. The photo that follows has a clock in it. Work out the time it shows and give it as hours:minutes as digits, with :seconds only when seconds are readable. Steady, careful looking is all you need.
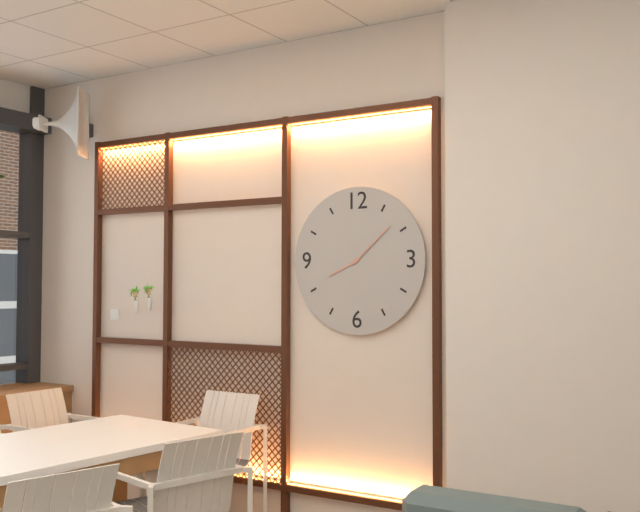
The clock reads 8:08
